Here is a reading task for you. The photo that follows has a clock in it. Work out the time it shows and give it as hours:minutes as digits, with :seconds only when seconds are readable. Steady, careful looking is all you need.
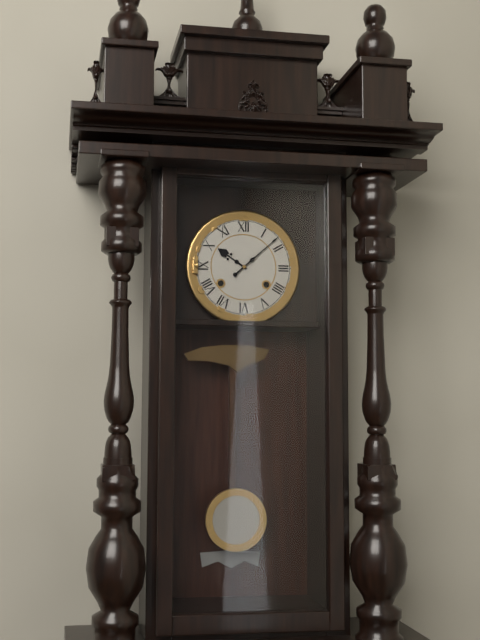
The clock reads 10:08
